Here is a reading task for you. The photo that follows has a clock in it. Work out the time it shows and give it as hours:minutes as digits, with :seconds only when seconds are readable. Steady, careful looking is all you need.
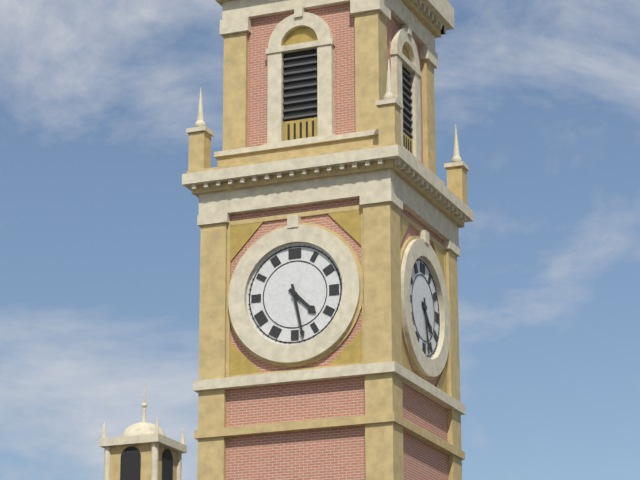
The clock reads 4:28
